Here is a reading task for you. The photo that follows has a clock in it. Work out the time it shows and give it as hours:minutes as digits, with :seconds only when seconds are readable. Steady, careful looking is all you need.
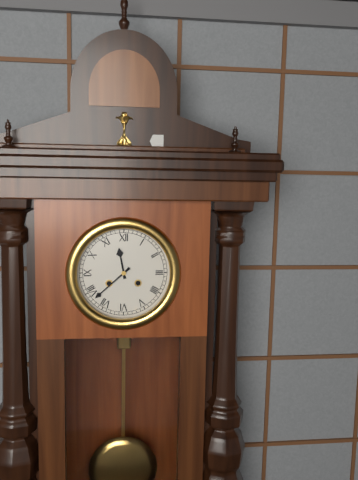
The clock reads 11:38
